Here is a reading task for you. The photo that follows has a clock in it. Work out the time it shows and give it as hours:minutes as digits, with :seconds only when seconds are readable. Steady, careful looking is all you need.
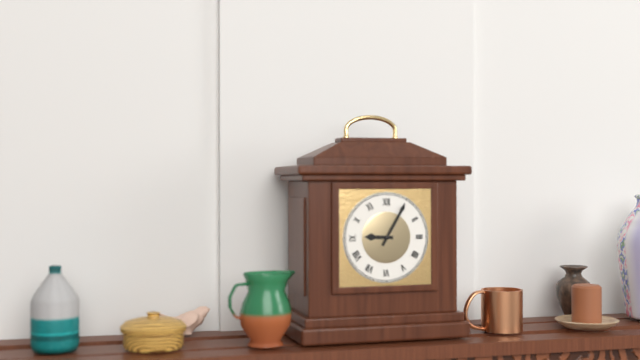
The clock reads 9:05
